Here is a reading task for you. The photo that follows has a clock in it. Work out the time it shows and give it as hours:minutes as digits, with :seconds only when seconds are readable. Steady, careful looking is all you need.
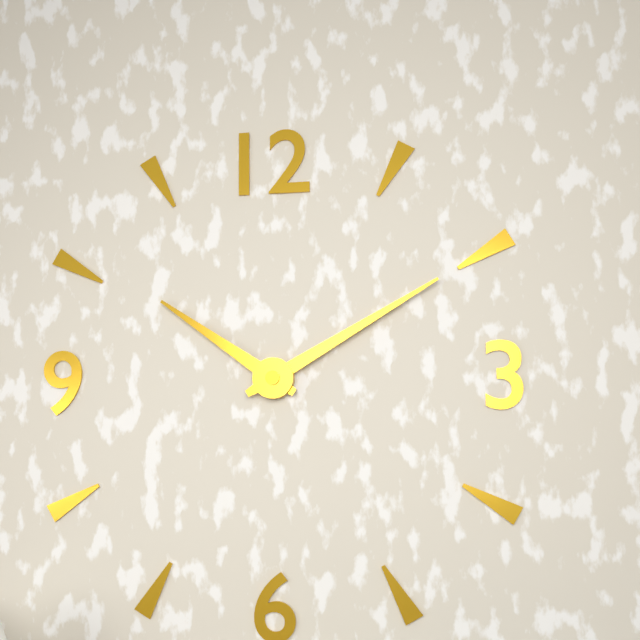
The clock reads 10:10
